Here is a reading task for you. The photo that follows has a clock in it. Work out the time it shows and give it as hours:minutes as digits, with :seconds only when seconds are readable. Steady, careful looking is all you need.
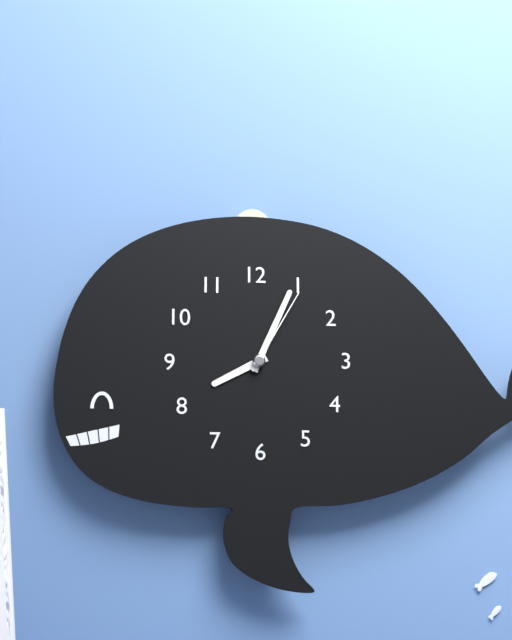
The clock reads 8:04:05
